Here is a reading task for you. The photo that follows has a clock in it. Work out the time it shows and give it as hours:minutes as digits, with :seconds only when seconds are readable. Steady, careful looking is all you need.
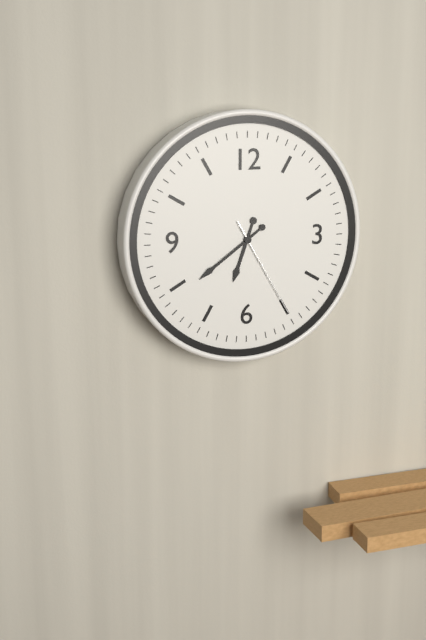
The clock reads 6:39:25
